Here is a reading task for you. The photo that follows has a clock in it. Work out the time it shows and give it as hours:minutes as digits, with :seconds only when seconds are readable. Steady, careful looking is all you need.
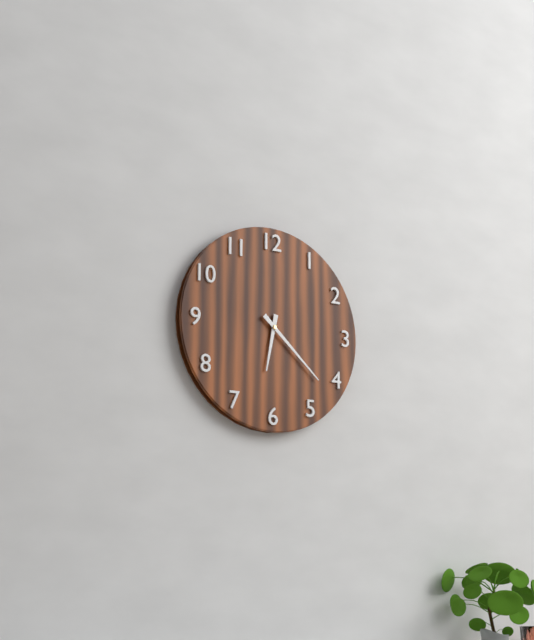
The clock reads 6:22
